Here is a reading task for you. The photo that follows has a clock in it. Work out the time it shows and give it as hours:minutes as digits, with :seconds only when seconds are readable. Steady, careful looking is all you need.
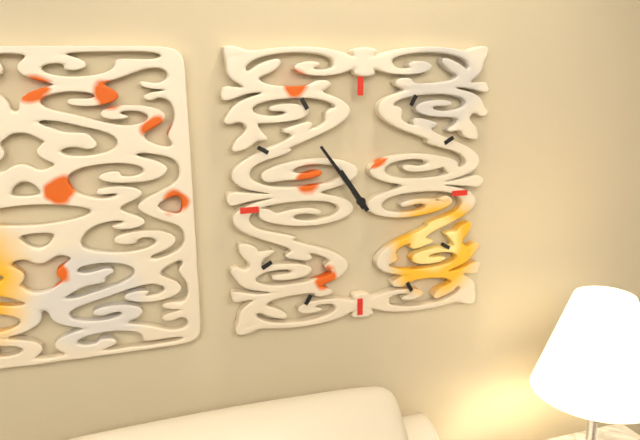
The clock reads 10:54
